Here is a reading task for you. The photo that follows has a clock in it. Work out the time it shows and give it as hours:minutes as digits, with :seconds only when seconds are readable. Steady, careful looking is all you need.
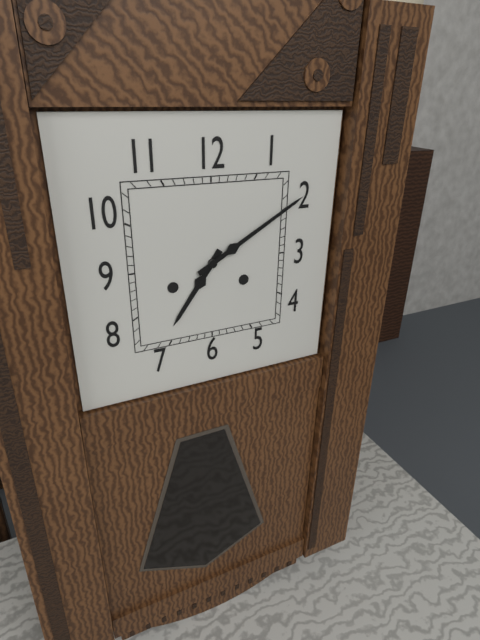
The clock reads 7:10
